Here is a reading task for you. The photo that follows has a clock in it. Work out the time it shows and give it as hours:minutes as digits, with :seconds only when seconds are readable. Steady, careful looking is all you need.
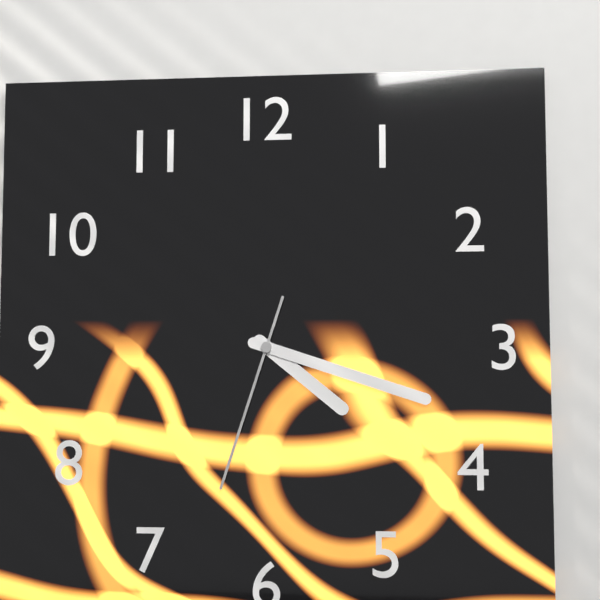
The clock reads 4:18:33
